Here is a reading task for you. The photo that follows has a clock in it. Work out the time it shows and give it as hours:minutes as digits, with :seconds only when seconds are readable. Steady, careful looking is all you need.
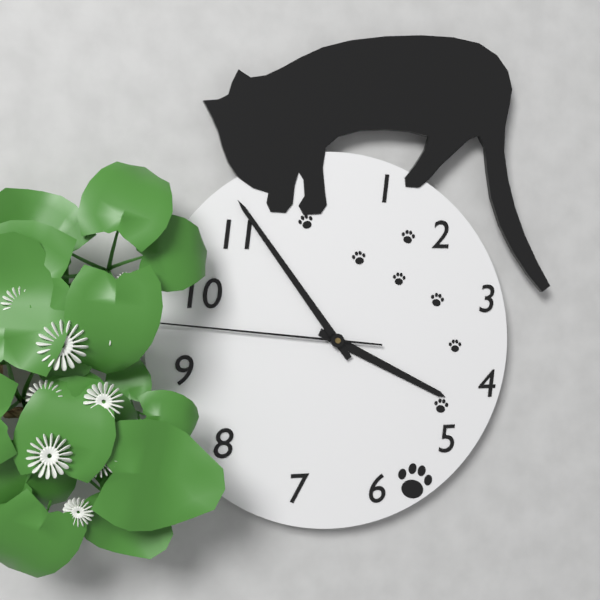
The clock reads 3:54:46
